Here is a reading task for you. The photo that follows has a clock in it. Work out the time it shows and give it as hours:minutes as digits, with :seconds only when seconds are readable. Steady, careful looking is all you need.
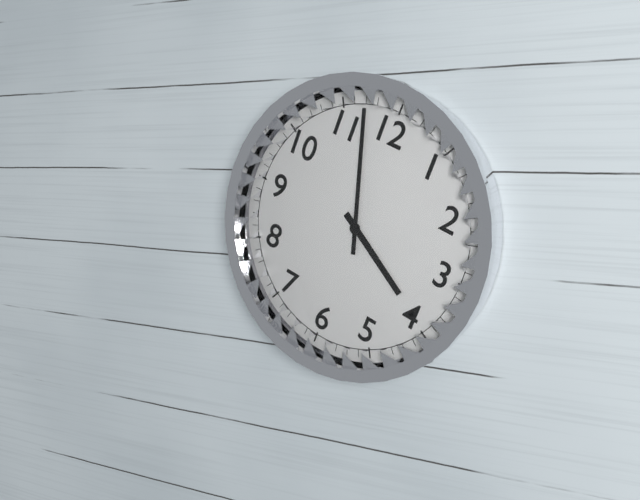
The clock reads 3:57
